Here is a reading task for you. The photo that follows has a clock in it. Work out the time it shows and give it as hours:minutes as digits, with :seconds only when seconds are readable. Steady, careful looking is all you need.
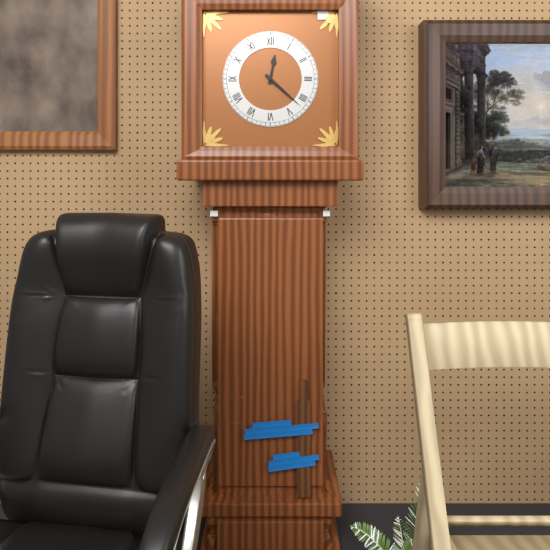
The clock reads 12:22
